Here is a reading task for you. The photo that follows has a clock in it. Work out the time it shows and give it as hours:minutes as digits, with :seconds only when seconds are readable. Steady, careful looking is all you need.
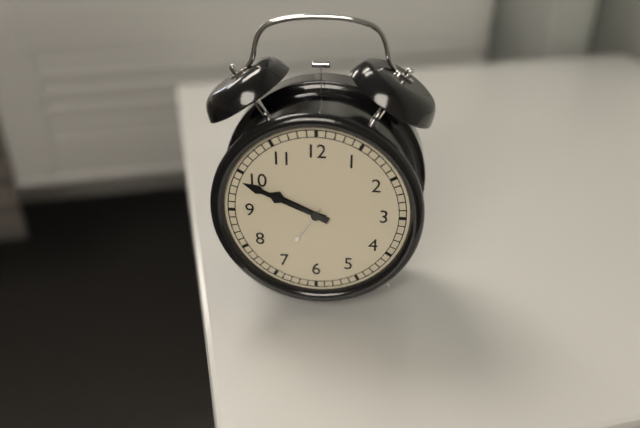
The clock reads 9:49
